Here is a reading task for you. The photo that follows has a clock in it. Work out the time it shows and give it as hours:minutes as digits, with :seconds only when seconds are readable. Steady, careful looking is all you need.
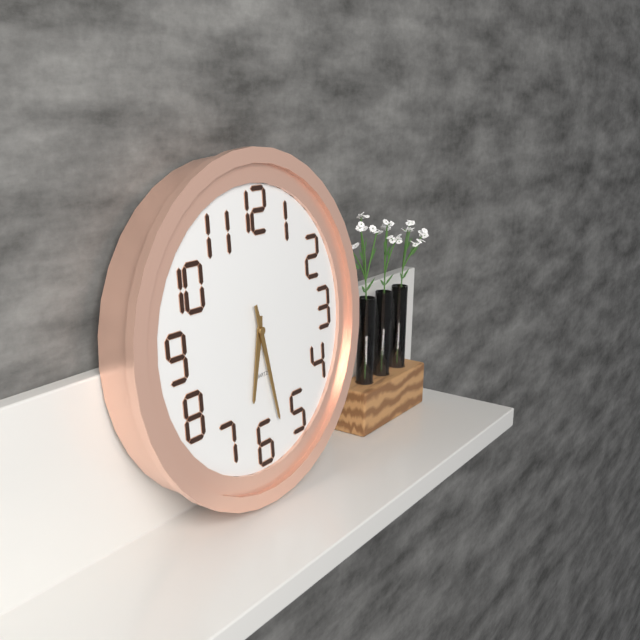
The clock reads 6:28
